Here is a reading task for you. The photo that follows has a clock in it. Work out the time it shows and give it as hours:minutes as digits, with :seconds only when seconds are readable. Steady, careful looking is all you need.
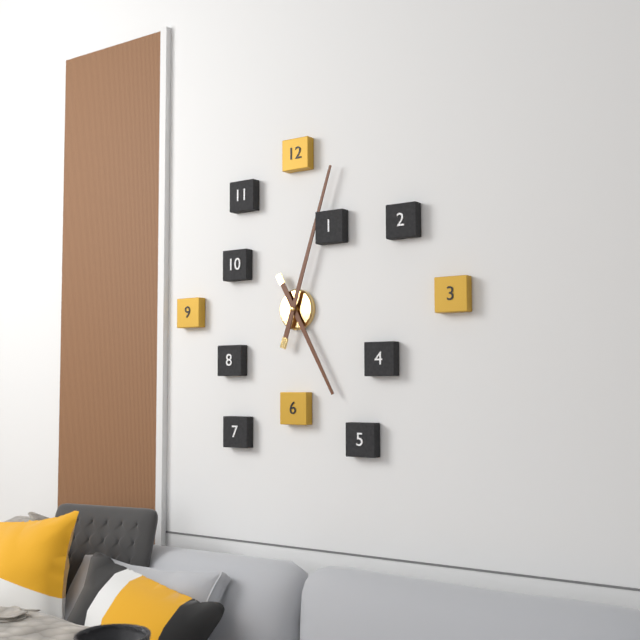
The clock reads 5:03
